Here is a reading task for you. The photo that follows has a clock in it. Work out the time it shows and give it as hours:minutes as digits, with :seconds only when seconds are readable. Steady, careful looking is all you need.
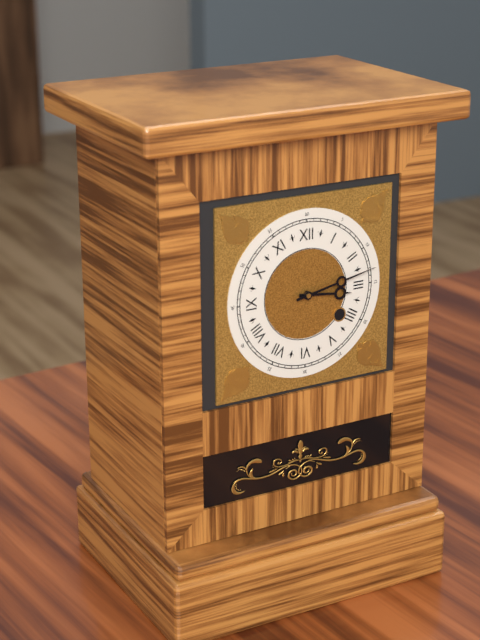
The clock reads 3:13
